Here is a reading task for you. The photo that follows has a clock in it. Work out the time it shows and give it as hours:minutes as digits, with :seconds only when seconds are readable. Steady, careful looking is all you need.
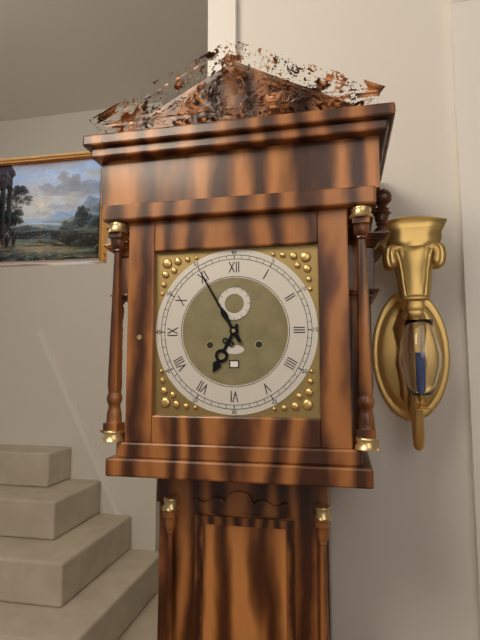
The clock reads 6:55
